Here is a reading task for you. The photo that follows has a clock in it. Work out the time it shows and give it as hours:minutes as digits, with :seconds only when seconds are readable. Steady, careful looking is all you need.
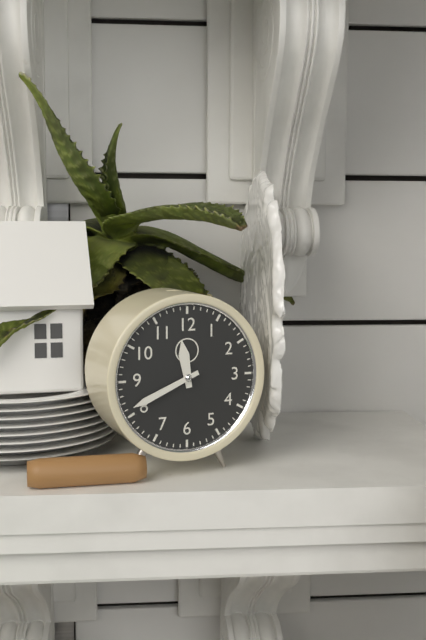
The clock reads 11:41
